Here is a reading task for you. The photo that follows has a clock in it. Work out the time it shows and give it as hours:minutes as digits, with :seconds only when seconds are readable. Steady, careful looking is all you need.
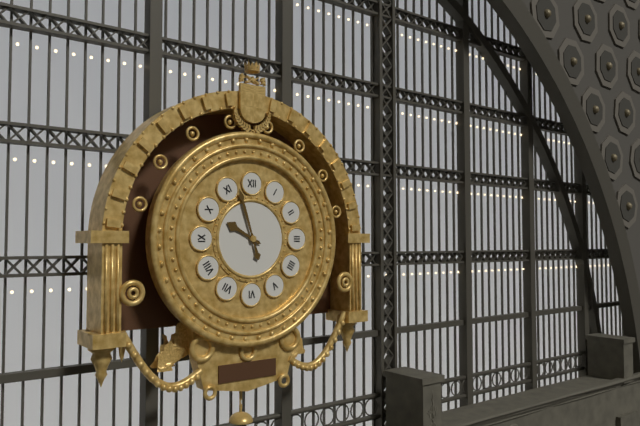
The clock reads 9:57
